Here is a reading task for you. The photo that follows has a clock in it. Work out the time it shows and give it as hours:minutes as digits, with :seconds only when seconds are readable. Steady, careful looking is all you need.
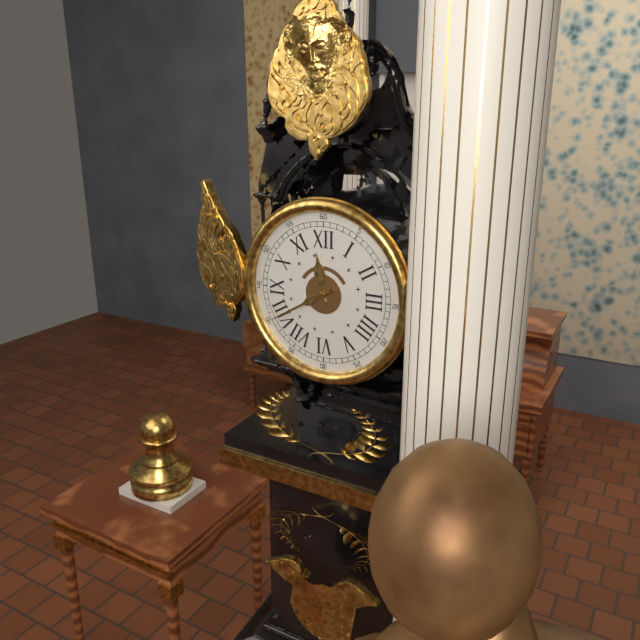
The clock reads 11:40
